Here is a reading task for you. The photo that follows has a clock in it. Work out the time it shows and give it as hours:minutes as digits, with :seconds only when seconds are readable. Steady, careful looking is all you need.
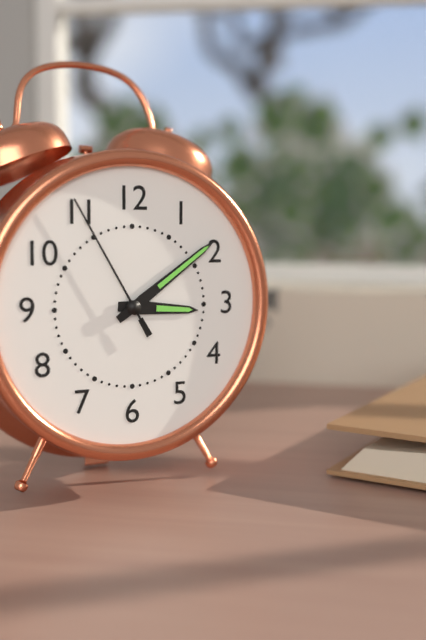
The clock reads 3:09:55
